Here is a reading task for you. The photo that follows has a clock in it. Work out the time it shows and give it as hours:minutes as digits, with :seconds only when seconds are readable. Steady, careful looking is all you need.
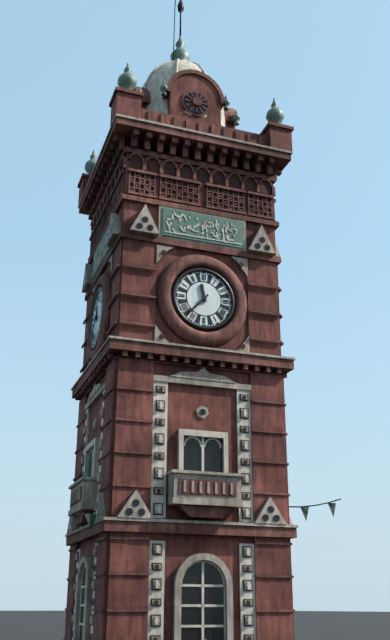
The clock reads 11:37
